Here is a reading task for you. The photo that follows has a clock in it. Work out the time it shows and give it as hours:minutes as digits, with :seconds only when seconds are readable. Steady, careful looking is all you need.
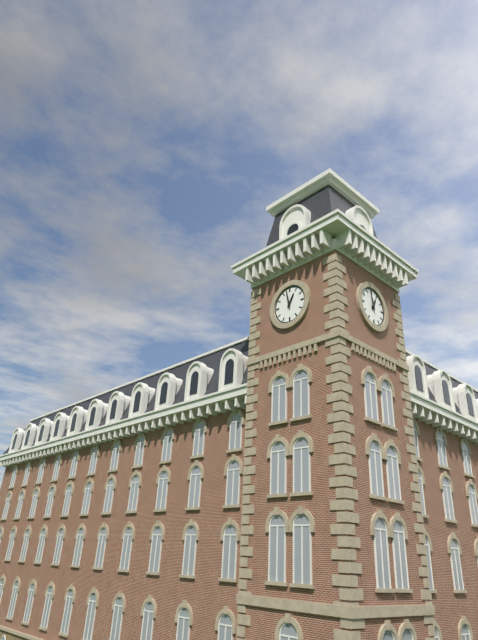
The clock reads 12:58
